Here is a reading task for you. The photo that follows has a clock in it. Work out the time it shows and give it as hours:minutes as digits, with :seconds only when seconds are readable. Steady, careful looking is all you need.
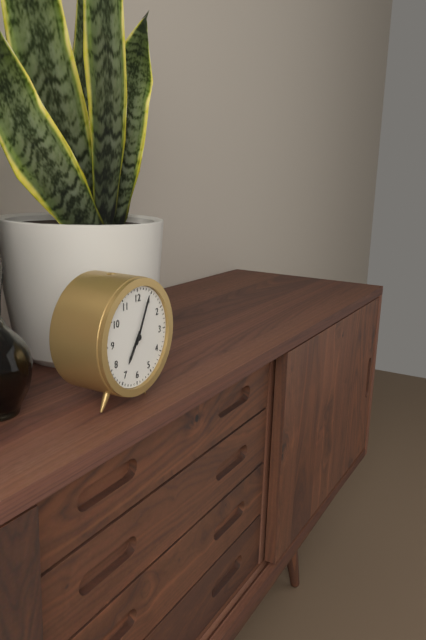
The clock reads 7:04
